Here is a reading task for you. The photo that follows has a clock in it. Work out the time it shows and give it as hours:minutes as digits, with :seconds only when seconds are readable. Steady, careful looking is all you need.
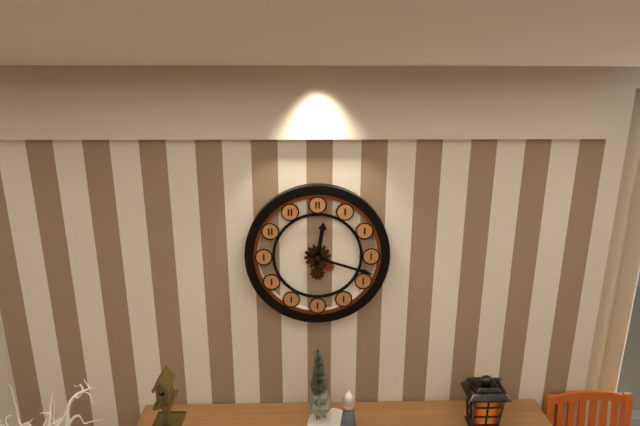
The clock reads 12:18
